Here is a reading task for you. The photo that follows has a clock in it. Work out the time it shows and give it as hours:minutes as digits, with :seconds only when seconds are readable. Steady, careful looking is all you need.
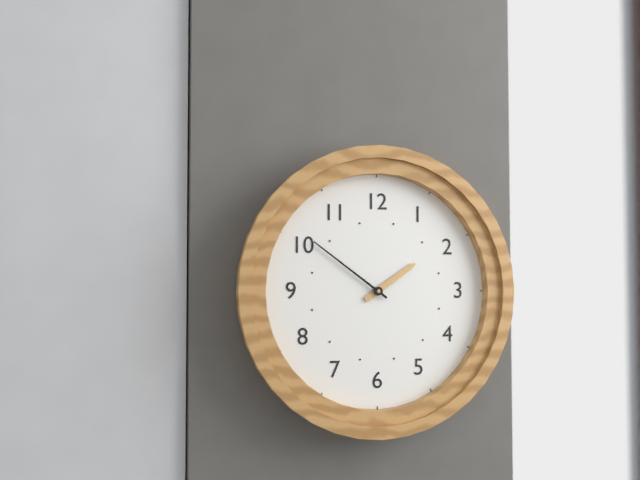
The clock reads 1:51
